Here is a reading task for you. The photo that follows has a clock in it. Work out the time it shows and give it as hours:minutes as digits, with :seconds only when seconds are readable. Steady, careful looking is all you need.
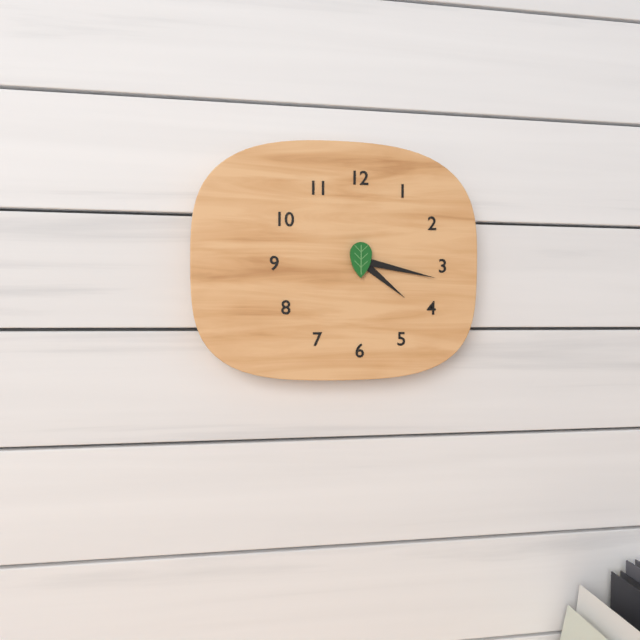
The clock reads 4:17
